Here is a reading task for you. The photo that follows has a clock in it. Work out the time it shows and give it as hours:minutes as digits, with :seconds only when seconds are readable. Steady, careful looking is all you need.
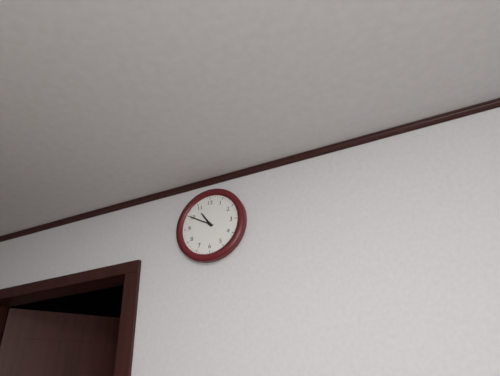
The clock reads 10:50
